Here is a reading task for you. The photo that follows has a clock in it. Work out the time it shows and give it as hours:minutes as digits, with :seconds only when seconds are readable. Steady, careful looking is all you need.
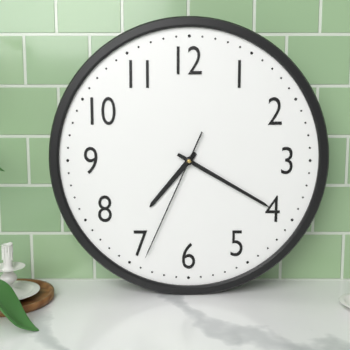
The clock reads 7:20:34
